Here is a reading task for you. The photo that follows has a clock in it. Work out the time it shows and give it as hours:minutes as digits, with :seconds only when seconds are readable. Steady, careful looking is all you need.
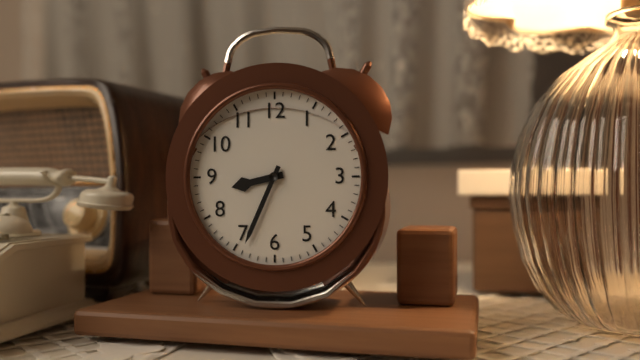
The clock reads 8:34
